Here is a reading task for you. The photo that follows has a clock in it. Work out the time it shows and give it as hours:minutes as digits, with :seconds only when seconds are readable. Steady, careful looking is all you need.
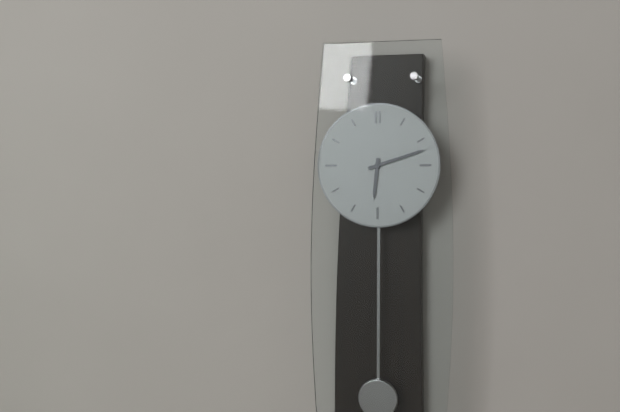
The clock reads 6:12
